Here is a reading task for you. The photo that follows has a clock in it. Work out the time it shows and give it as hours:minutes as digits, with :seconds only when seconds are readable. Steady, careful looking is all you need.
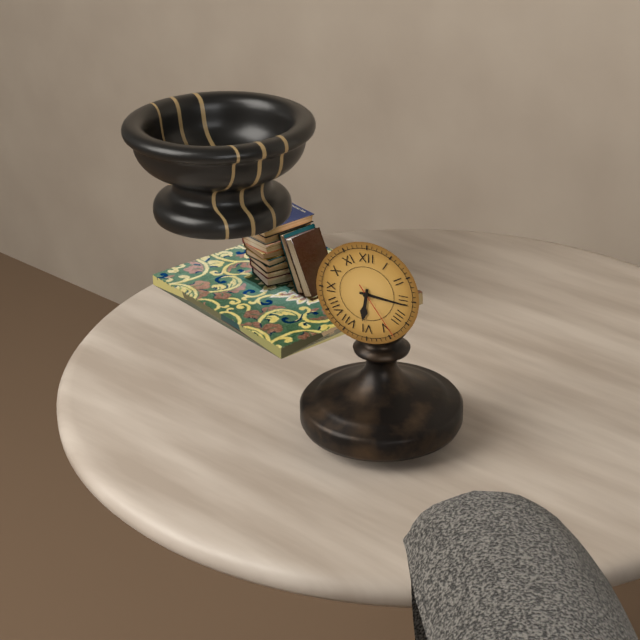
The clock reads 6:16:24
